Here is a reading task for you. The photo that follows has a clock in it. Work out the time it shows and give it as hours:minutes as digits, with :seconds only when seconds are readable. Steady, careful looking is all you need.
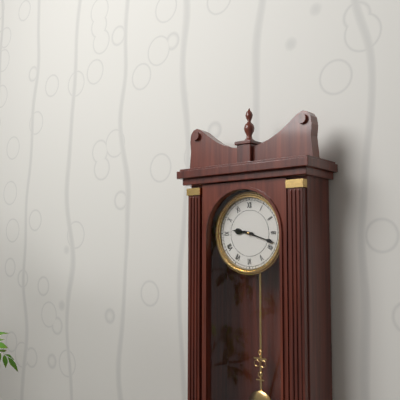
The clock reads 9:18
